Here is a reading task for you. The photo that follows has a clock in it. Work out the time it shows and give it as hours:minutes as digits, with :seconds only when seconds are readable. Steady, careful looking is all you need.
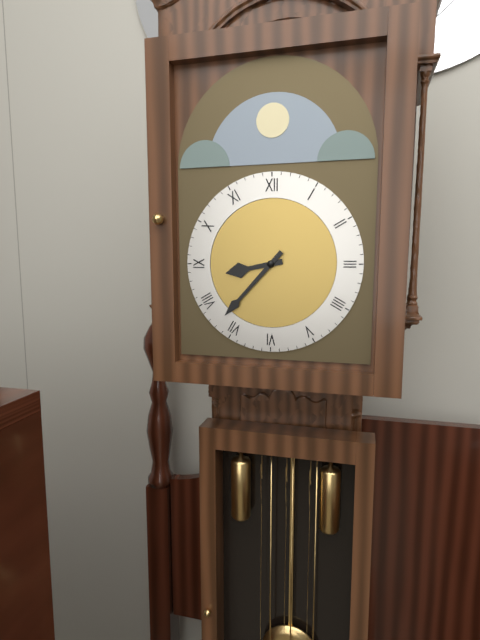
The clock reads 8:37
